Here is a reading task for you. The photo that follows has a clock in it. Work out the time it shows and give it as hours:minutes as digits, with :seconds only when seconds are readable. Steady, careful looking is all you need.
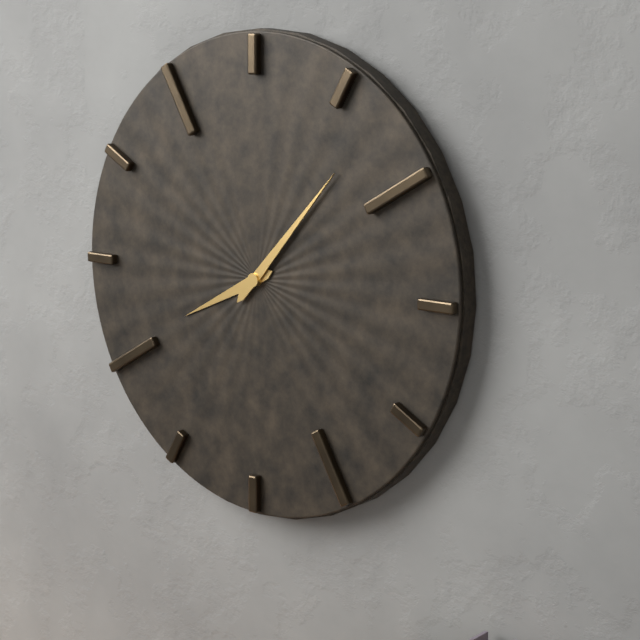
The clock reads 8:07
